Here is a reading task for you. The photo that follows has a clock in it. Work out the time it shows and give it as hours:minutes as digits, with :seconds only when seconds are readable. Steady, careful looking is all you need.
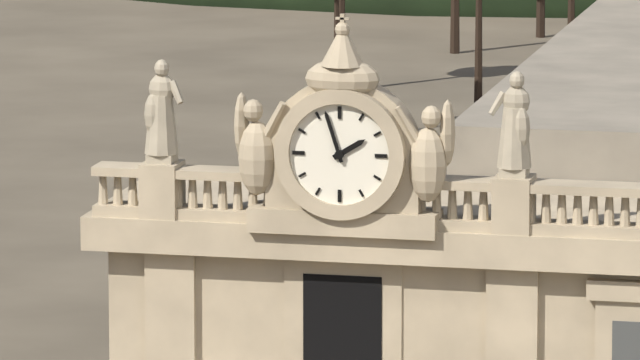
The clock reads 1:57
